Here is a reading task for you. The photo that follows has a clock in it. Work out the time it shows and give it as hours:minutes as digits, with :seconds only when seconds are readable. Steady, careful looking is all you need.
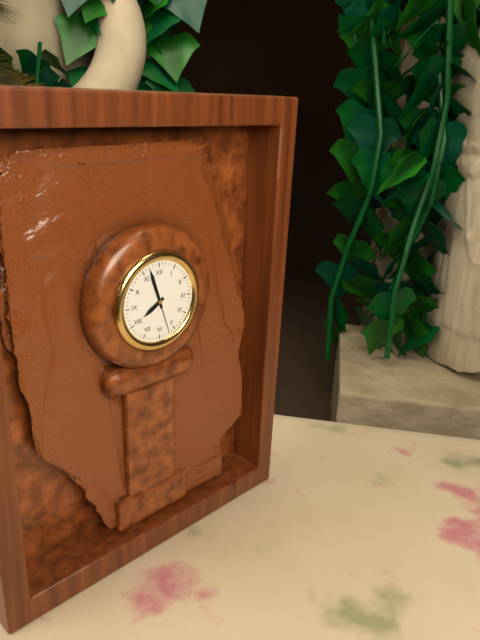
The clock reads 7:57
